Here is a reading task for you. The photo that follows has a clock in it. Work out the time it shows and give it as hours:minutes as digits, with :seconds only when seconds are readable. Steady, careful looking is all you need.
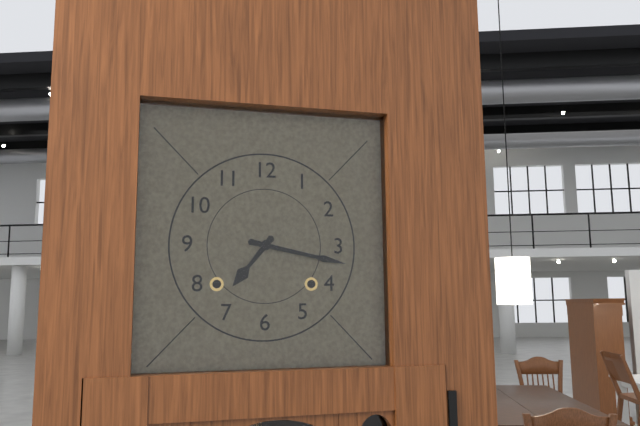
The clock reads 7:17
